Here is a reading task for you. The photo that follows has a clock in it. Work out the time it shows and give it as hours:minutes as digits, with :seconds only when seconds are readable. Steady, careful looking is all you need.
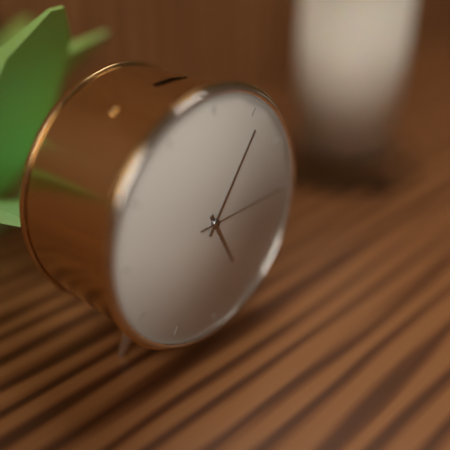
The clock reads 5:06:15
